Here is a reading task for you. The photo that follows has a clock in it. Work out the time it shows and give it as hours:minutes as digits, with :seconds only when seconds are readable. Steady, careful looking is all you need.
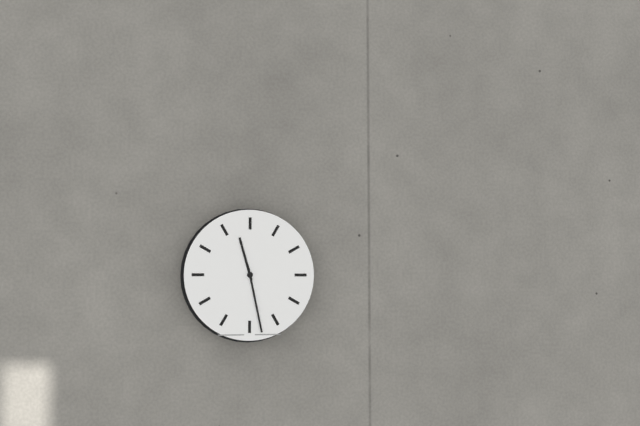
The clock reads 11:28
